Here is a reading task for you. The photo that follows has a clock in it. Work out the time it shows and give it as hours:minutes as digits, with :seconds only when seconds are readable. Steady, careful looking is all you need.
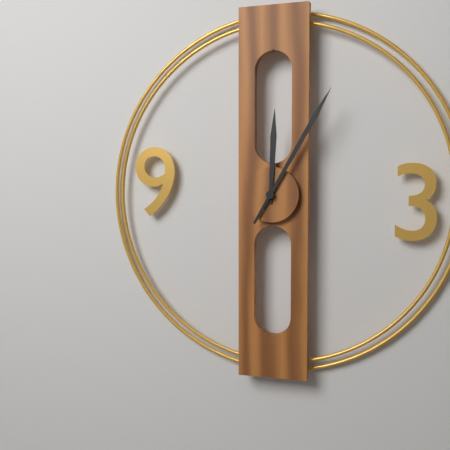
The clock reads 12:05
